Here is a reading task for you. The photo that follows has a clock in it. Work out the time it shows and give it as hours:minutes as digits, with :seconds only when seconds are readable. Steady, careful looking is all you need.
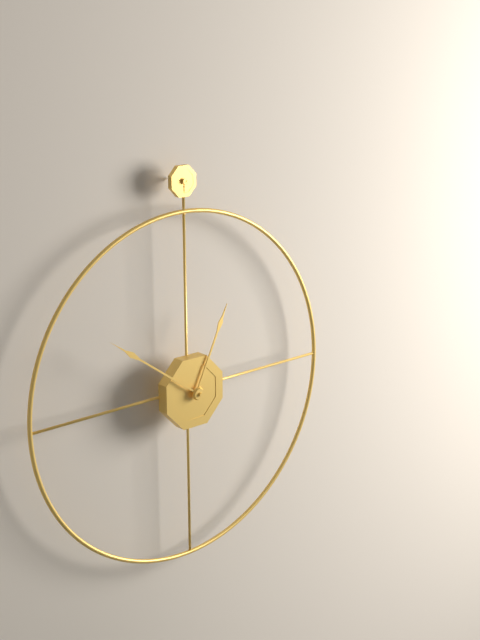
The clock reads 12:51
